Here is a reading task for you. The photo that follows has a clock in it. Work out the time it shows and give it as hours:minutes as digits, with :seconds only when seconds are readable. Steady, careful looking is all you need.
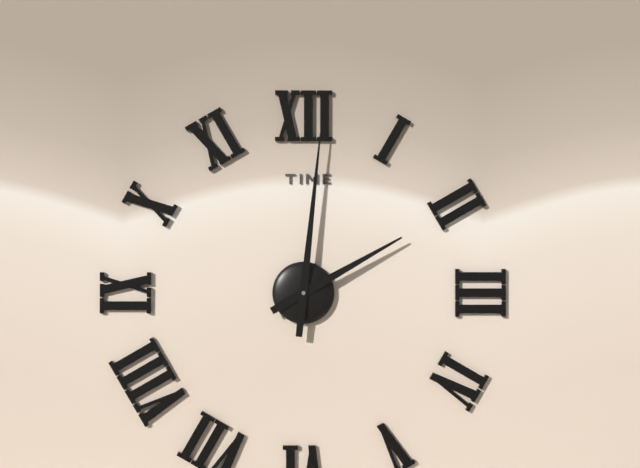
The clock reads 2:01
